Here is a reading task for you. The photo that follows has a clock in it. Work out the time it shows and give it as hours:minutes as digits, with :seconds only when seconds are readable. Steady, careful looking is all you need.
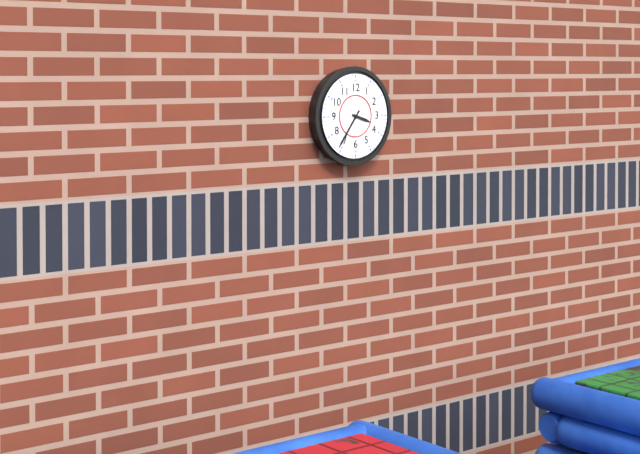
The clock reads 3:36
